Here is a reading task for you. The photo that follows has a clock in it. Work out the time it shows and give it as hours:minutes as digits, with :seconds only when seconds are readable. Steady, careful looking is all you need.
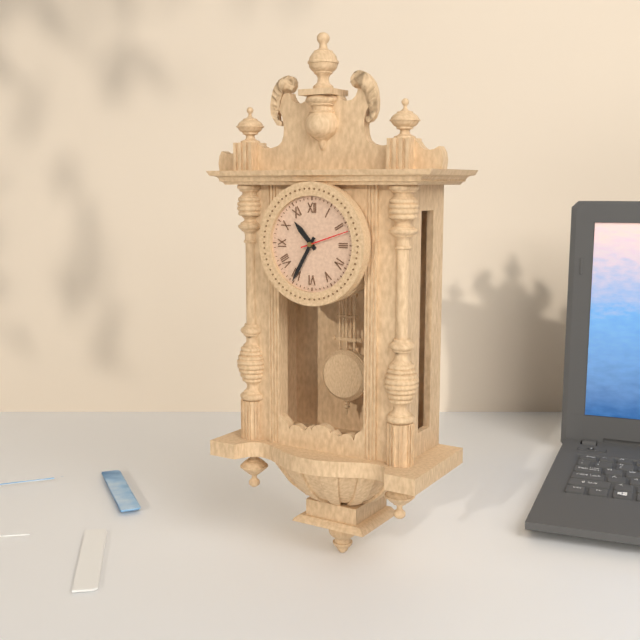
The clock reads 10:35
